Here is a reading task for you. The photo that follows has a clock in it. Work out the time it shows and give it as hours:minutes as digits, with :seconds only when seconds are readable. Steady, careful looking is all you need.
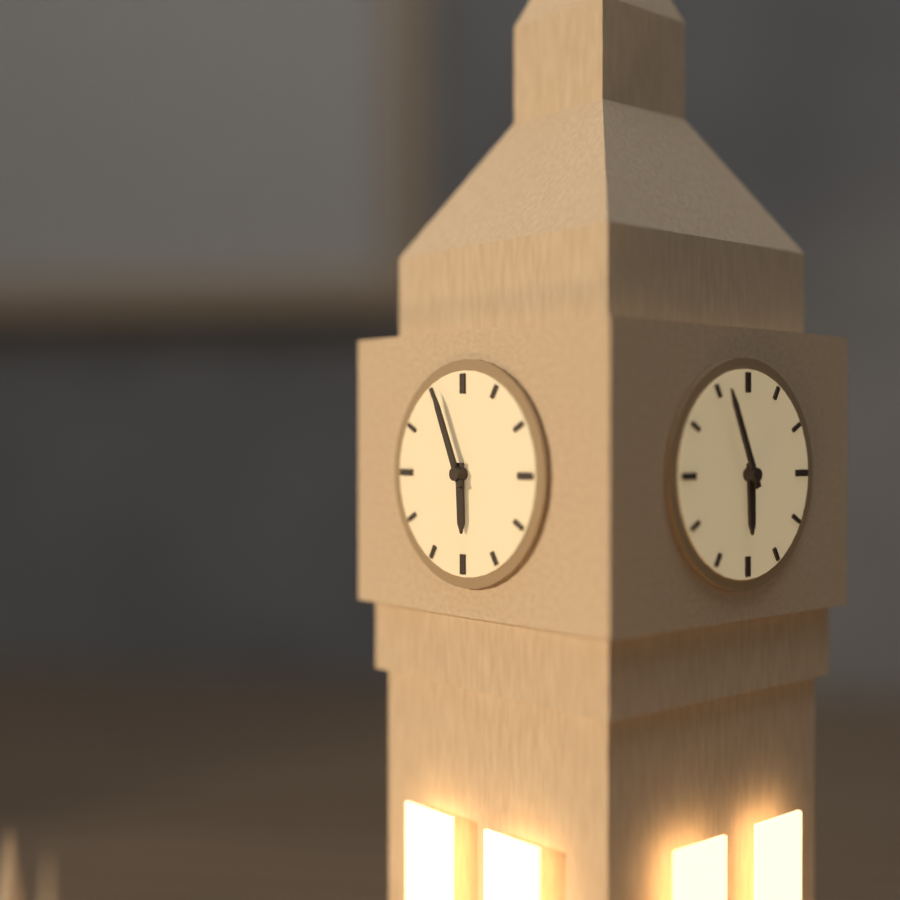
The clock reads 5:56
